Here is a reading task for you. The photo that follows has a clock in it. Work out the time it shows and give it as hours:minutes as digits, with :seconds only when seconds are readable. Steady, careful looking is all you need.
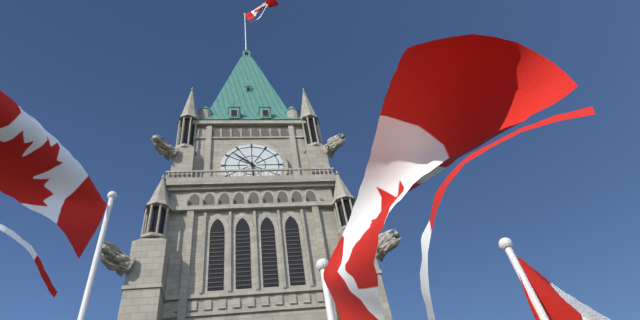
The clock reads 5:52
